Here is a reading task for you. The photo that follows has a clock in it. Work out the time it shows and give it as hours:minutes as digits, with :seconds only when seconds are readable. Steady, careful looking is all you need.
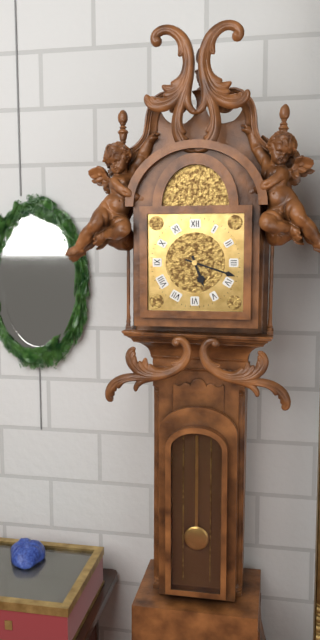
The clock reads 5:18
